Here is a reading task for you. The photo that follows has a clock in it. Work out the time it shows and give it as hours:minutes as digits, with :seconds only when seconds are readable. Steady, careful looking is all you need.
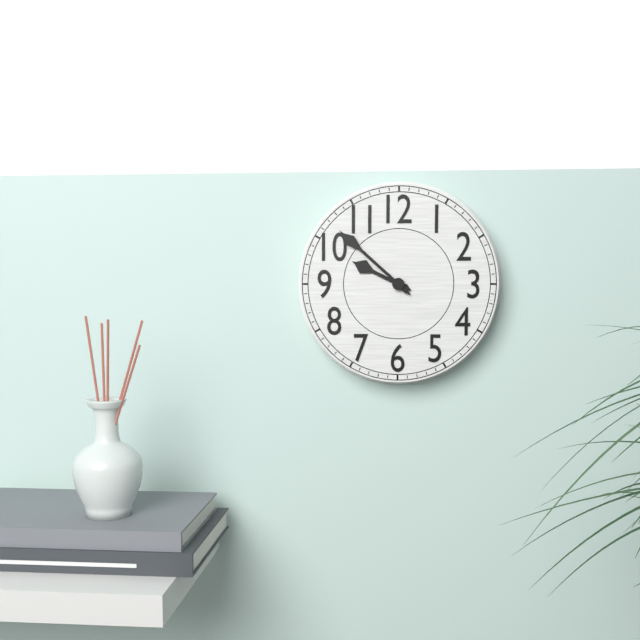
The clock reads 9:52
